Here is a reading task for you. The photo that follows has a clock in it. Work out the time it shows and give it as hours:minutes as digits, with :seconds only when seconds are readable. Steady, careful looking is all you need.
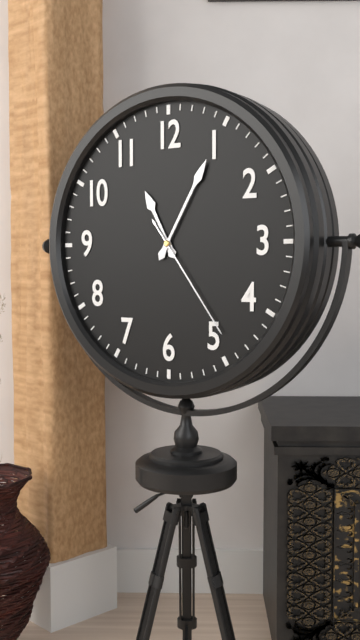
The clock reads 11:05:24
